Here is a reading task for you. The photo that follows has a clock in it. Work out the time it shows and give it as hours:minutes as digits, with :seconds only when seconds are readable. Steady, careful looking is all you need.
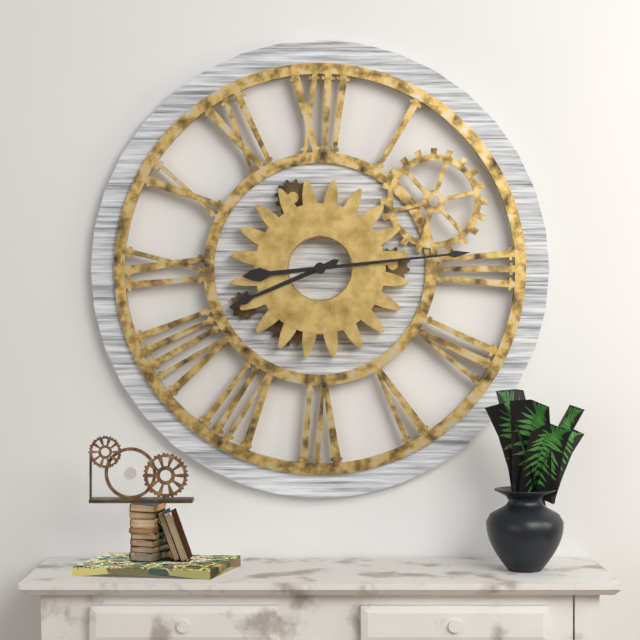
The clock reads 8:14
